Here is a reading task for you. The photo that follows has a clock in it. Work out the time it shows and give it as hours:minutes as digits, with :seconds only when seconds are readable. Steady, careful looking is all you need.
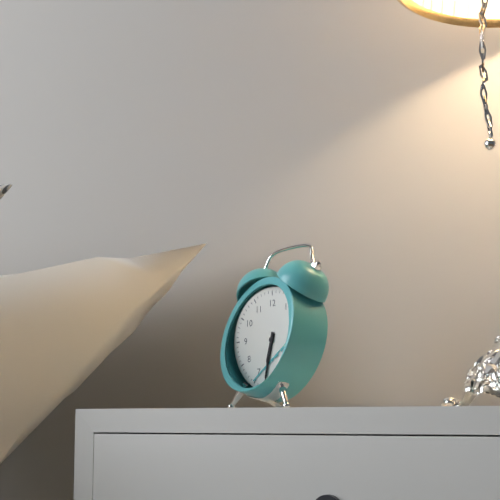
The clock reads 6:32
